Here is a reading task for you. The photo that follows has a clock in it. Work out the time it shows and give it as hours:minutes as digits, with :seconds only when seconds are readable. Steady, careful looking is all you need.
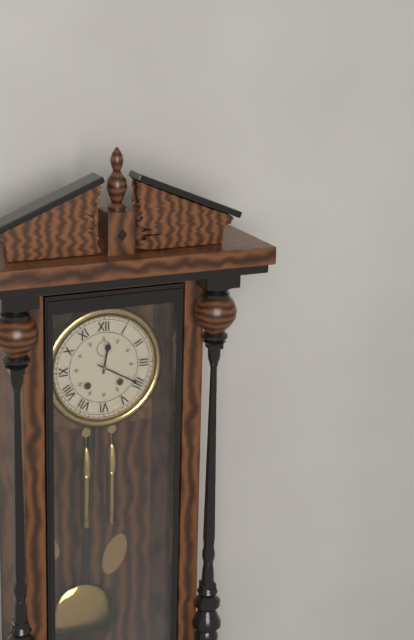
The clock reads 12:20
